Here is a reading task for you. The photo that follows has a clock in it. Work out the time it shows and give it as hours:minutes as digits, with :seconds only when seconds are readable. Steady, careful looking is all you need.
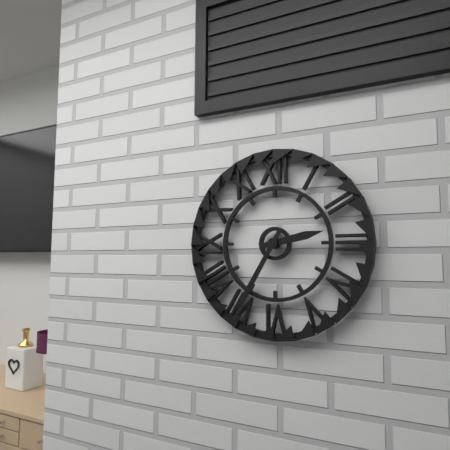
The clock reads 2:35
